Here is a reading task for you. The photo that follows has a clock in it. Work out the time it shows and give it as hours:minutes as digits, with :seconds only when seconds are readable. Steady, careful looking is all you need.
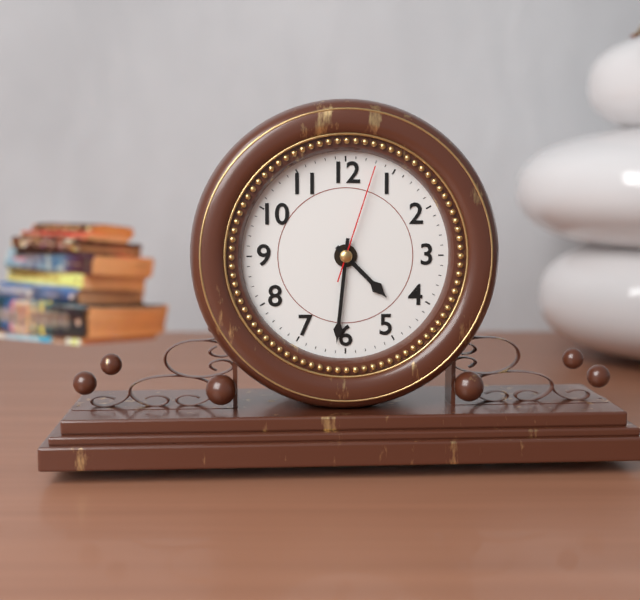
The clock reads 4:31:03
